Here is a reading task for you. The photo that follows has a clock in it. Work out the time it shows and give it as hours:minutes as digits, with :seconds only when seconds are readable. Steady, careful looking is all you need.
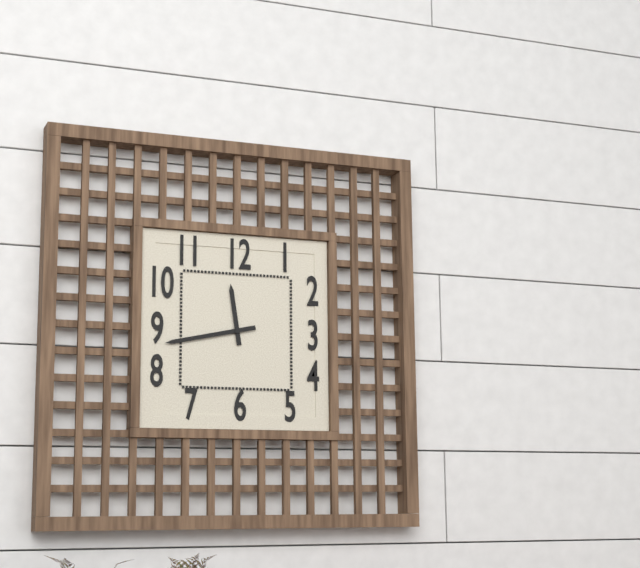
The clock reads 11:43
